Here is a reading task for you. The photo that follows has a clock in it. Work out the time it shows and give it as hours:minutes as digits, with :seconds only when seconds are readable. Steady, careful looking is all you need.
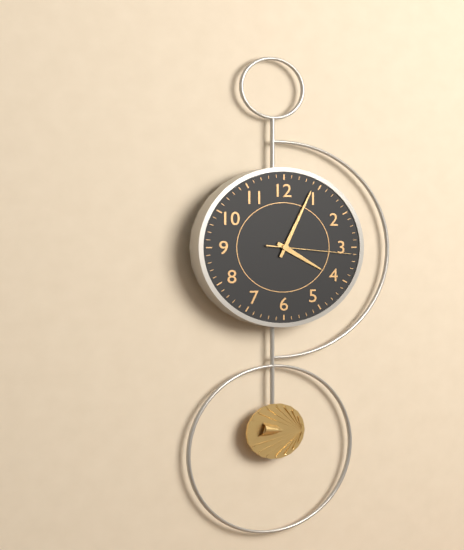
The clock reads 4:04:16
